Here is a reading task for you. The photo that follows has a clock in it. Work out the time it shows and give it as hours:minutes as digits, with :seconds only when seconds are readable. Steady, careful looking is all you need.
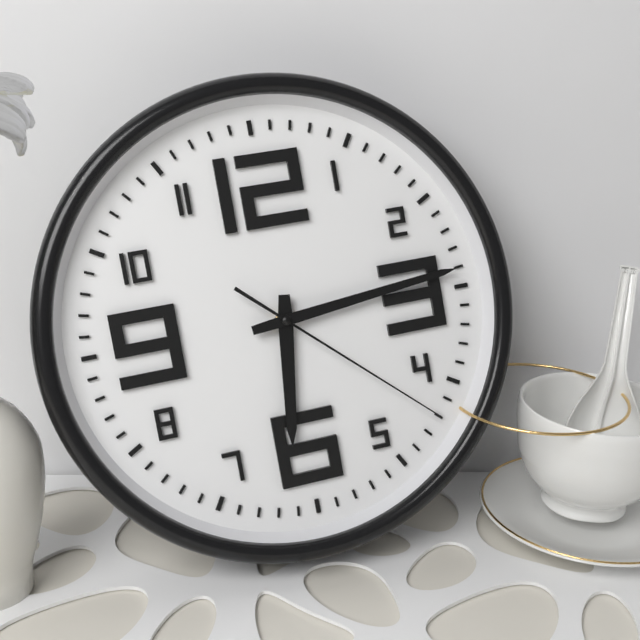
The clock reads 6:14:22
